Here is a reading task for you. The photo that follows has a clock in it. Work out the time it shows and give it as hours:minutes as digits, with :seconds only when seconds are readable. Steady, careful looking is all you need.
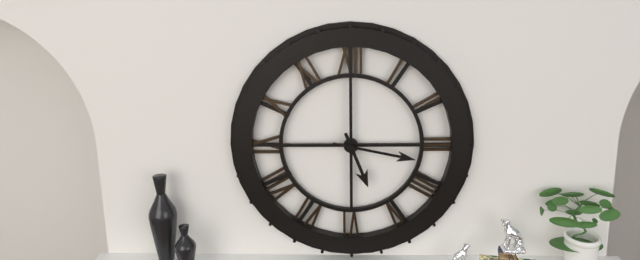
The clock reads 5:17
